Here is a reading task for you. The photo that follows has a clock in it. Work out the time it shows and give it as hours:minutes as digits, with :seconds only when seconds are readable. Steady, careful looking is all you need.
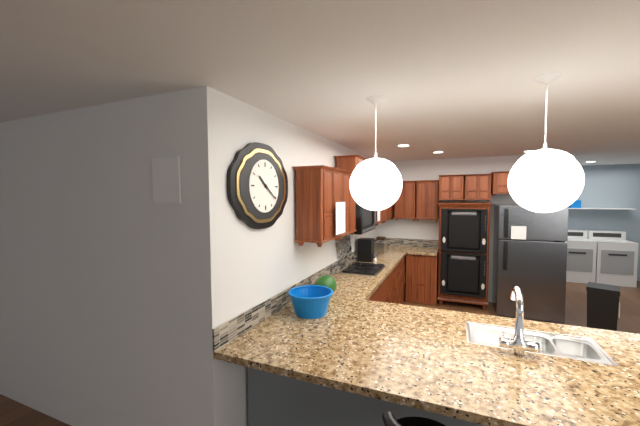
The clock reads 10:21
